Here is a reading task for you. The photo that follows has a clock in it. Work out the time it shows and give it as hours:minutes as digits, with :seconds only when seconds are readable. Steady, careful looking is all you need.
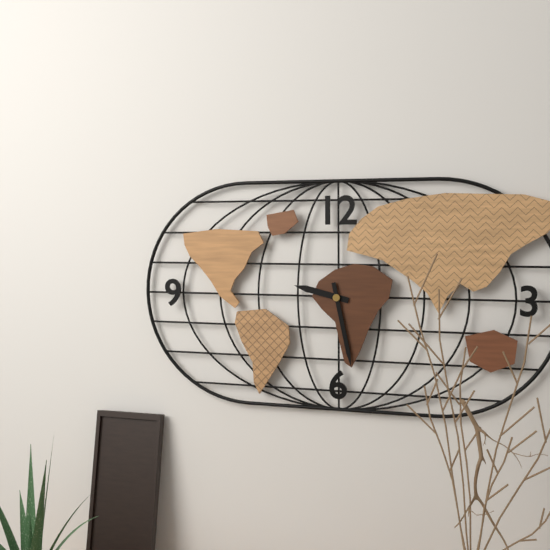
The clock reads 9:28
